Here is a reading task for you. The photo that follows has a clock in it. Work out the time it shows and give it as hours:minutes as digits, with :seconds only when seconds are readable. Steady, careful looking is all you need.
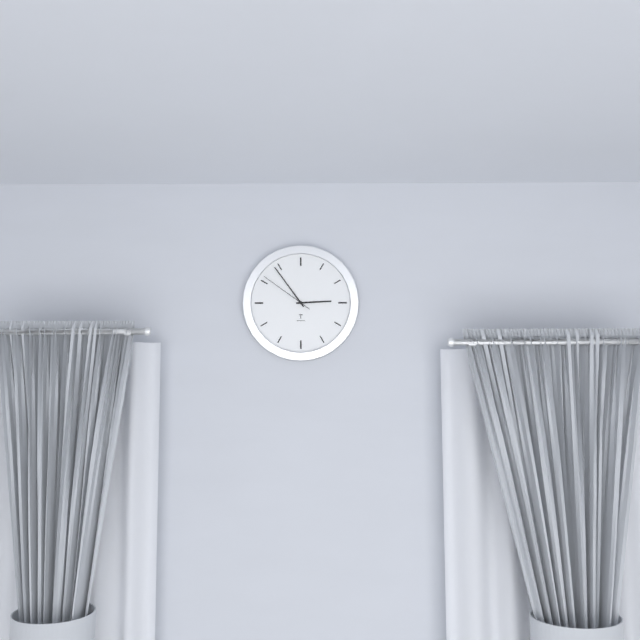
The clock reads 2:54:51
